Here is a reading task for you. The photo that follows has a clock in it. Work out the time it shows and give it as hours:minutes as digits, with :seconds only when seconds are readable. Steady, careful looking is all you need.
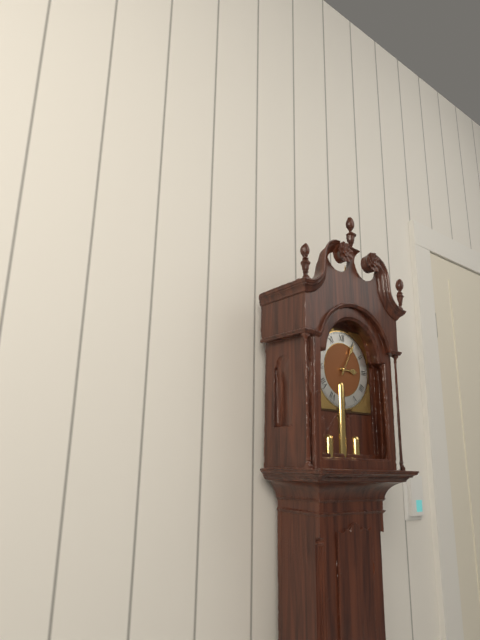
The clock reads 3:05
